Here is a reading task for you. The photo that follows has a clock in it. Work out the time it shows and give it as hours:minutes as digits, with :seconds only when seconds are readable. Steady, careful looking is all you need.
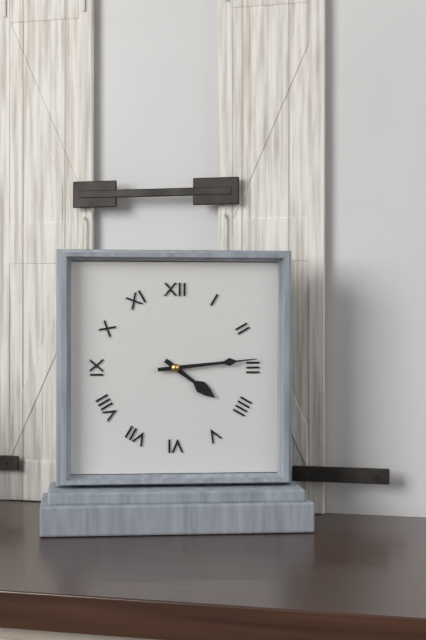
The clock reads 4:14
